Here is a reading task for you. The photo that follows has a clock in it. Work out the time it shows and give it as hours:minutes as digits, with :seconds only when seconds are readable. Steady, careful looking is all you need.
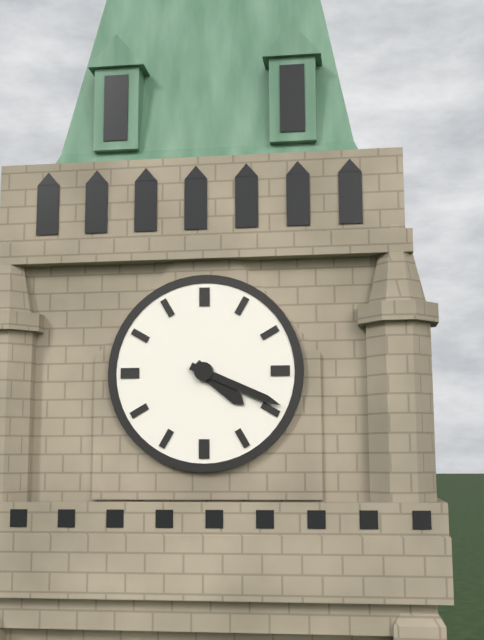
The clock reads 4:19
